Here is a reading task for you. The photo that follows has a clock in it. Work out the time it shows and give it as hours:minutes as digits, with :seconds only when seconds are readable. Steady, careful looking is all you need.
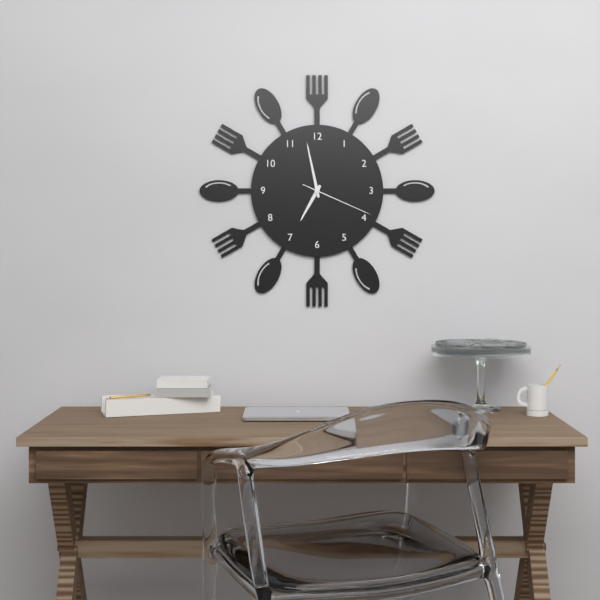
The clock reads 6:58:19
